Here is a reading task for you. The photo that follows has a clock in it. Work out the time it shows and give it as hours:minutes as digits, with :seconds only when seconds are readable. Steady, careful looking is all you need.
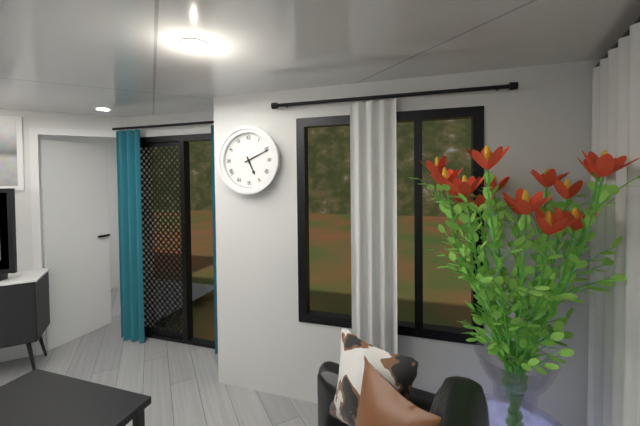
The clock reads 5:11
